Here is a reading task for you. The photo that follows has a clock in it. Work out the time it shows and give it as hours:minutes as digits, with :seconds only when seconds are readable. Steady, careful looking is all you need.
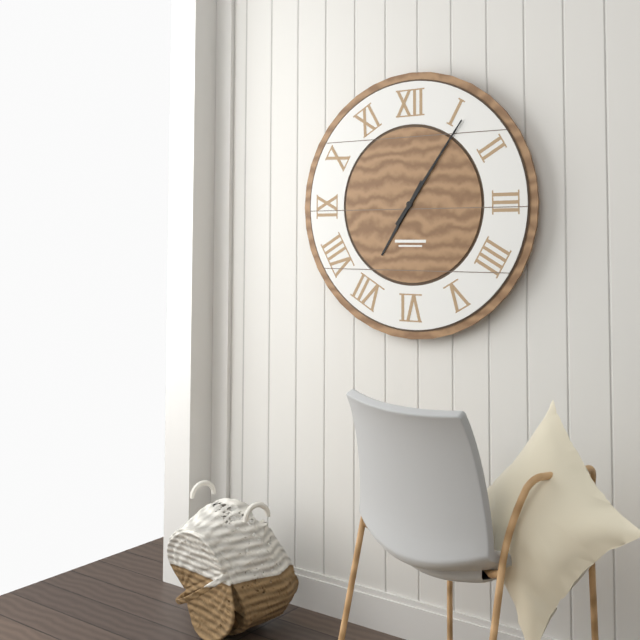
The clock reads 7:06
